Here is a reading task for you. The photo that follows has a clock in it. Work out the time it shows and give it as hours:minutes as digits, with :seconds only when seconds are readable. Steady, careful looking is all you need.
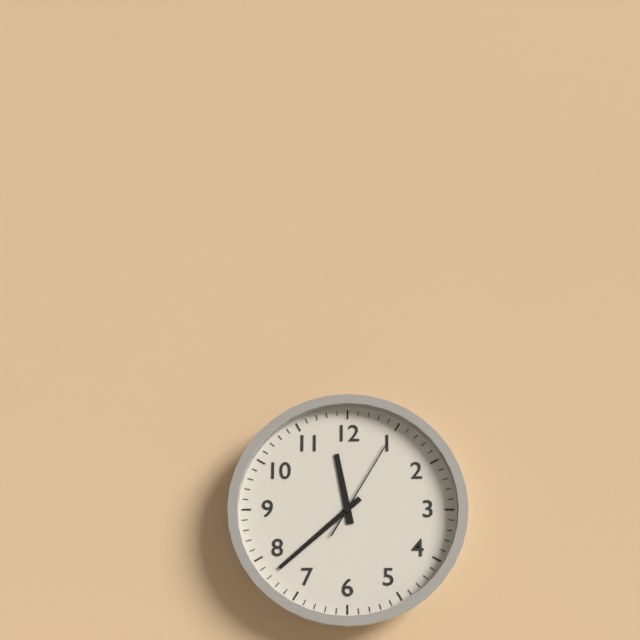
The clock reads 11:38:05
